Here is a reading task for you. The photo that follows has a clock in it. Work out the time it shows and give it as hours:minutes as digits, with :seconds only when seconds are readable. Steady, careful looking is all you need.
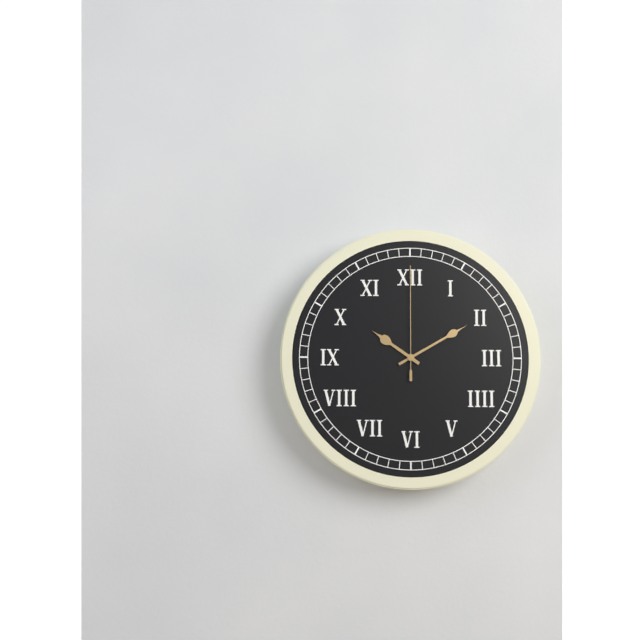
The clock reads 10:10:00
